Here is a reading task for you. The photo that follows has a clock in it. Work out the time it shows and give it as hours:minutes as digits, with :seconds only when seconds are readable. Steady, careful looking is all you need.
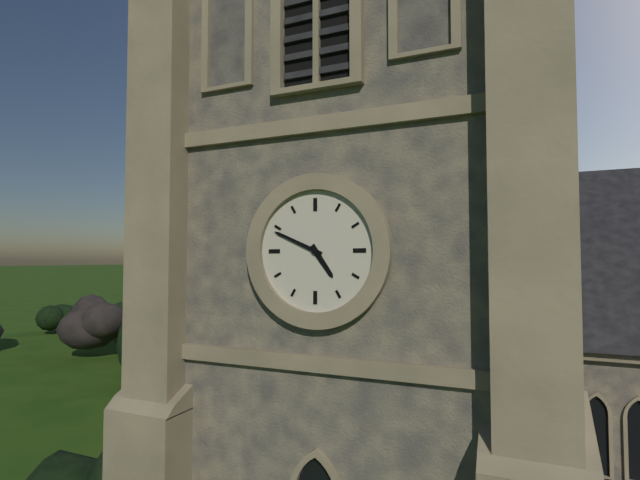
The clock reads 4:49
